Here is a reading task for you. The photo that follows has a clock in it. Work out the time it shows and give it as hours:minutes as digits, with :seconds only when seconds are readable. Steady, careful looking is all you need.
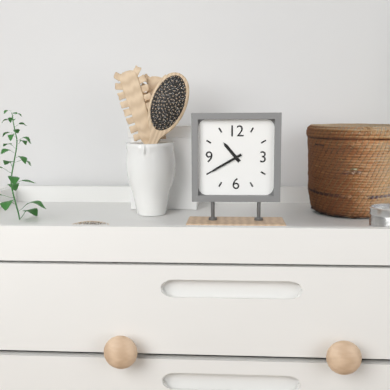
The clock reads 10:40
